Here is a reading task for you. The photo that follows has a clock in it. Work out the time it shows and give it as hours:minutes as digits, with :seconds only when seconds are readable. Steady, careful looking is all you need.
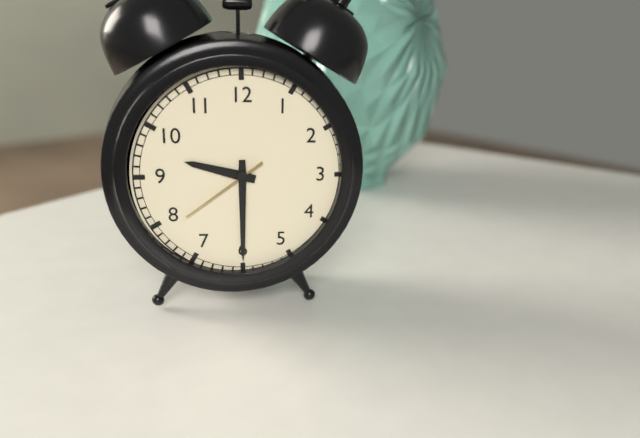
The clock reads 9:30:39
